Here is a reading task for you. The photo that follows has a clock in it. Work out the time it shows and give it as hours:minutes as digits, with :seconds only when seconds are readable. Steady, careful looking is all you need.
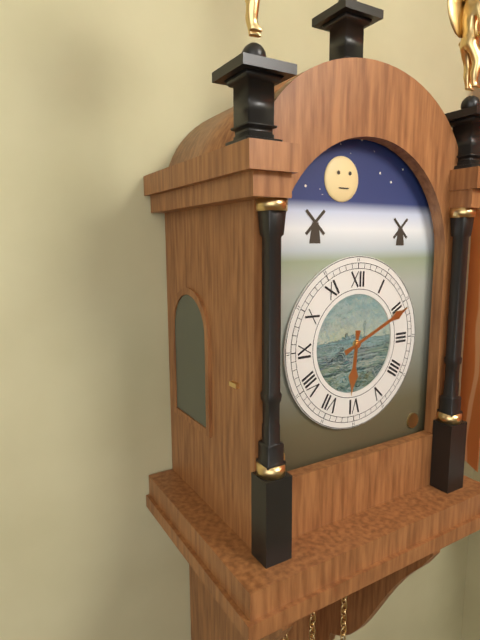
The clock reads 6:11
